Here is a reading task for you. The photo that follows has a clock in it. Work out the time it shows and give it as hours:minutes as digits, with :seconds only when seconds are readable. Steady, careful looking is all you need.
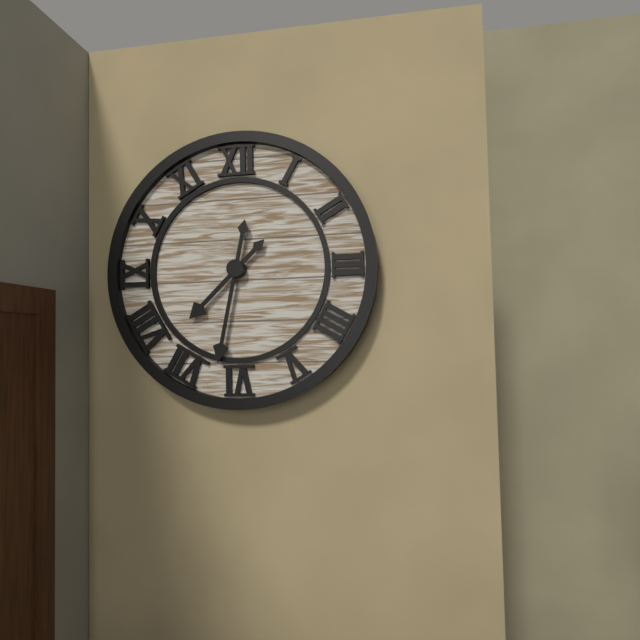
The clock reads 7:32
